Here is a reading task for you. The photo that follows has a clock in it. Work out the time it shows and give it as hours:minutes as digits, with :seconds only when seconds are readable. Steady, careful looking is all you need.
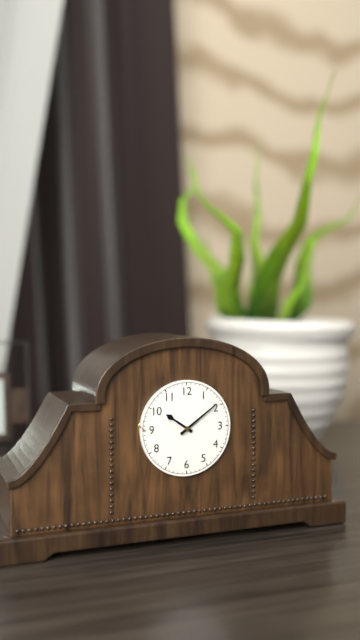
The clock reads 10:09
